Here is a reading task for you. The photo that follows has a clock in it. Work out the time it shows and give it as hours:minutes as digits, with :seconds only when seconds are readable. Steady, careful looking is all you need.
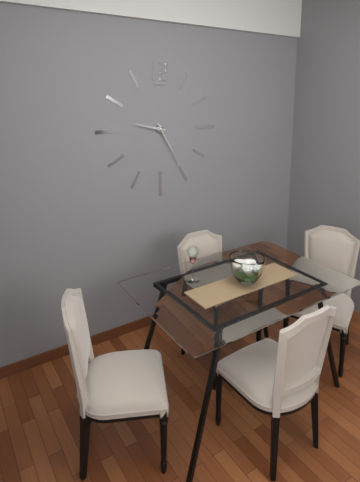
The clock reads 9:25
